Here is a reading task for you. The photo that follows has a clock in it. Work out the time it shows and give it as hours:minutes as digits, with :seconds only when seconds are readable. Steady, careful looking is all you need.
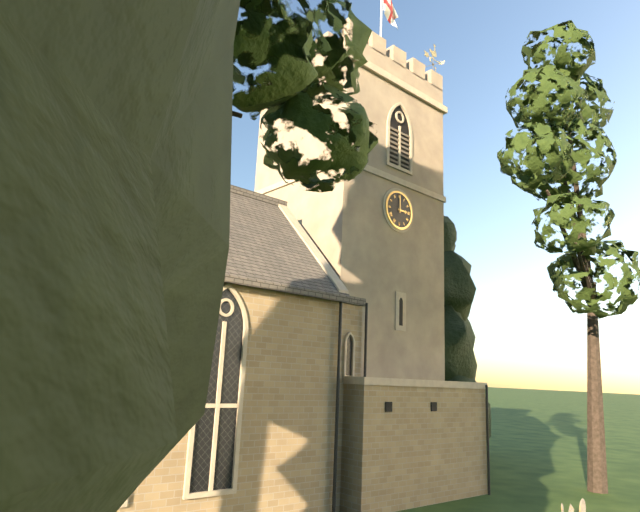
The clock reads 3:00
